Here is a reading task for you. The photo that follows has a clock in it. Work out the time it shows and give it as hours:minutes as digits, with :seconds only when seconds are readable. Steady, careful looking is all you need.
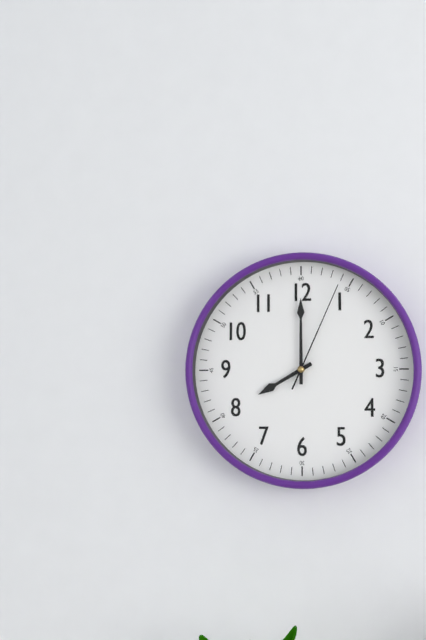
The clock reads 8:00:04
